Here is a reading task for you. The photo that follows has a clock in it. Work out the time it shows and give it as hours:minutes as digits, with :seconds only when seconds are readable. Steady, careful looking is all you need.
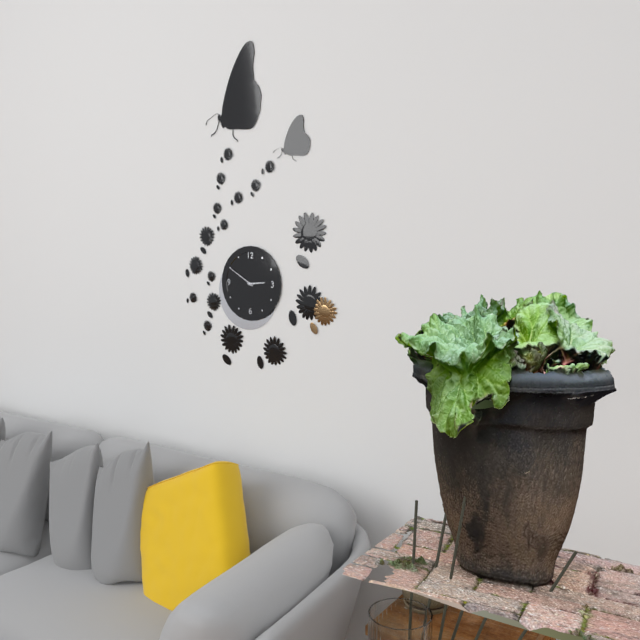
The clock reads 2:50
